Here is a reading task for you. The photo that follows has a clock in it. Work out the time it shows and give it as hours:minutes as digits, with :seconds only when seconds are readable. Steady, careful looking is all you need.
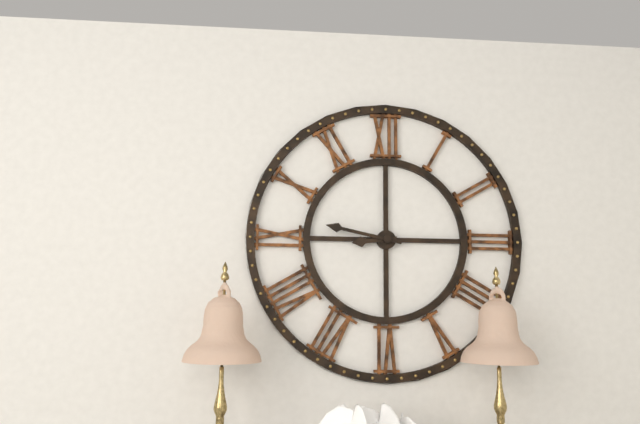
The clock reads 8:47
